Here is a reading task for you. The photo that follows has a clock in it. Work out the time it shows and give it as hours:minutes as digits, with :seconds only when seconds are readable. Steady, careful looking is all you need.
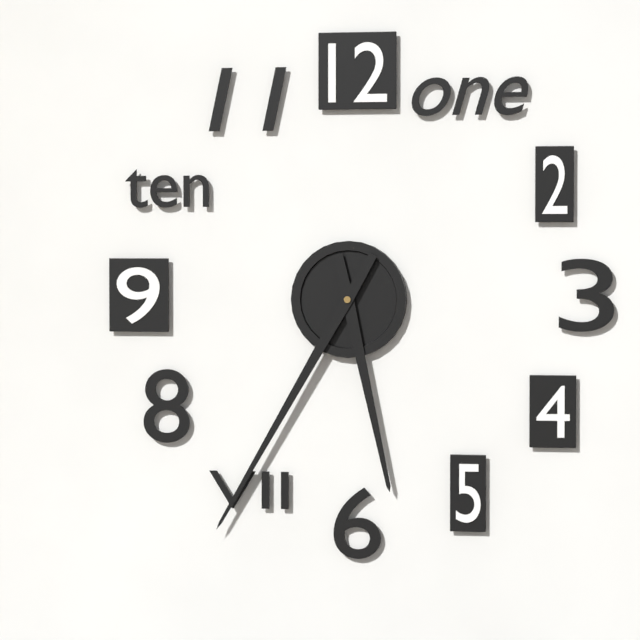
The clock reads 5:35
